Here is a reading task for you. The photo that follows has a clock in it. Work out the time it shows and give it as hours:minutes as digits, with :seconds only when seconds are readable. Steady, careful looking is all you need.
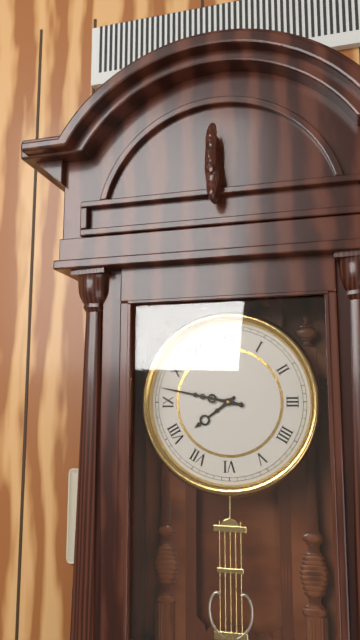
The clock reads 7:47
